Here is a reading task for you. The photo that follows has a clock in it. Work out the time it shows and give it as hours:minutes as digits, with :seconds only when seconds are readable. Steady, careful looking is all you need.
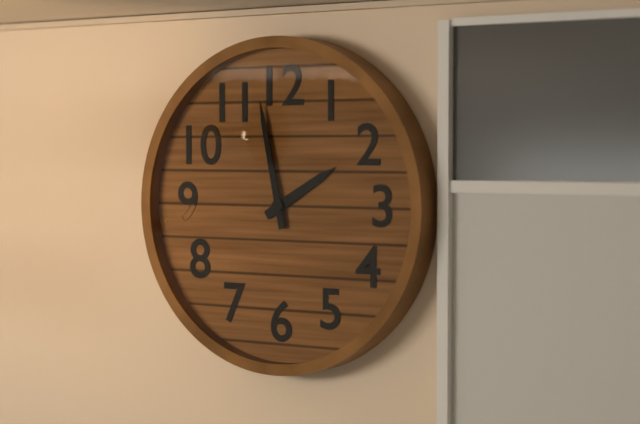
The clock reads 1:58
